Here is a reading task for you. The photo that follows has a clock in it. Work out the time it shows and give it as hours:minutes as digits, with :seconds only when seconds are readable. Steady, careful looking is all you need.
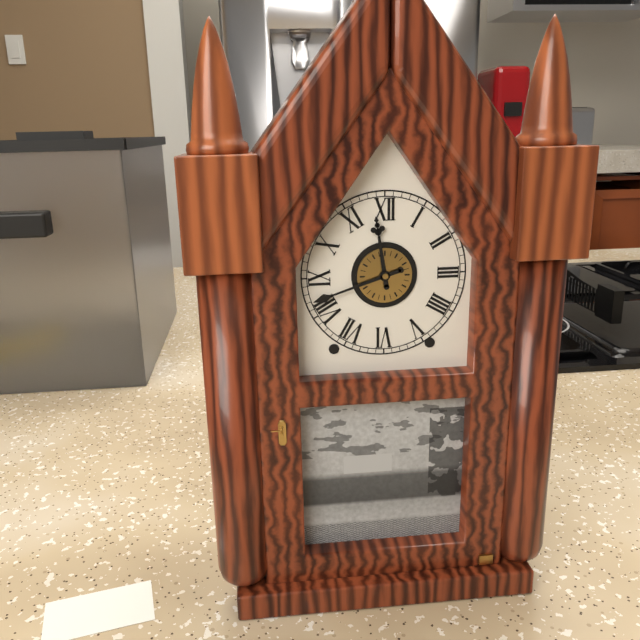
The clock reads 11:42
